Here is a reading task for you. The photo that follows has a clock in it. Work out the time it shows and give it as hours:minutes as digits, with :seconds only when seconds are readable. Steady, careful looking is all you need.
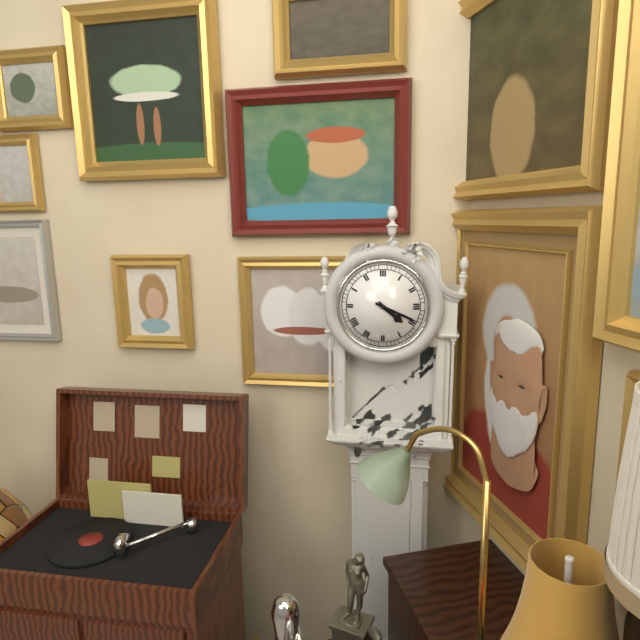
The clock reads 4:19
